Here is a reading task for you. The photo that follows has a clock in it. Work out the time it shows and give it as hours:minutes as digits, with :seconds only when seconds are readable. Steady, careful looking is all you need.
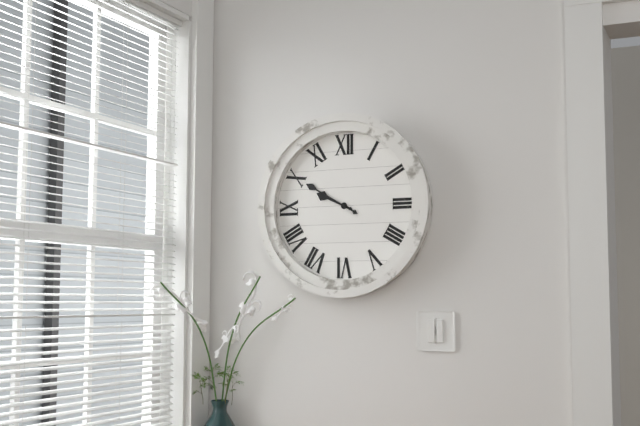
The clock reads 9:50
